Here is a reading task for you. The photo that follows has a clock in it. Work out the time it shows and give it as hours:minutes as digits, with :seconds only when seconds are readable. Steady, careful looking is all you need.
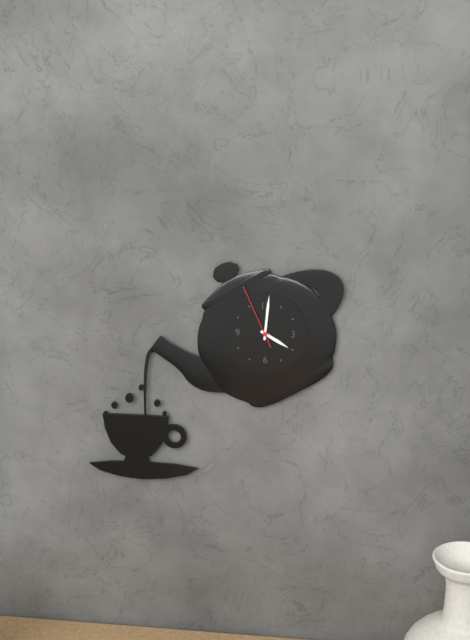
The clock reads 4:01:56
